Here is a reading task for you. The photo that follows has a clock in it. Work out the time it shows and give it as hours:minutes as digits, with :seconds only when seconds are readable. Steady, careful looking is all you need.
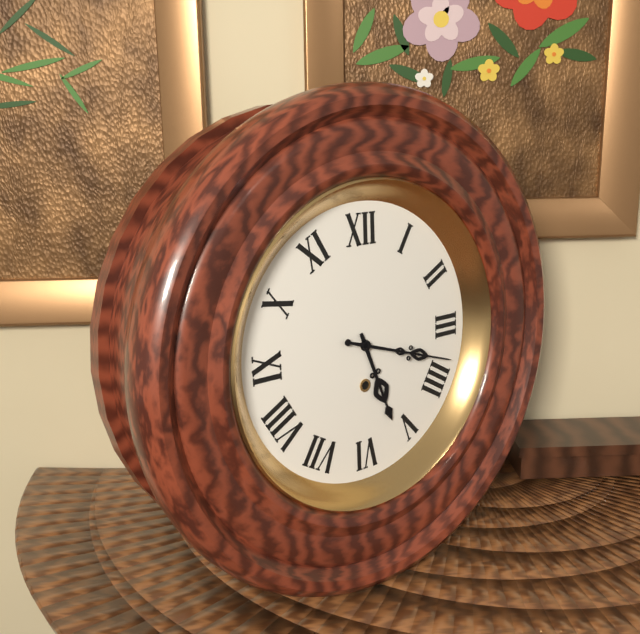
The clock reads 5:18
